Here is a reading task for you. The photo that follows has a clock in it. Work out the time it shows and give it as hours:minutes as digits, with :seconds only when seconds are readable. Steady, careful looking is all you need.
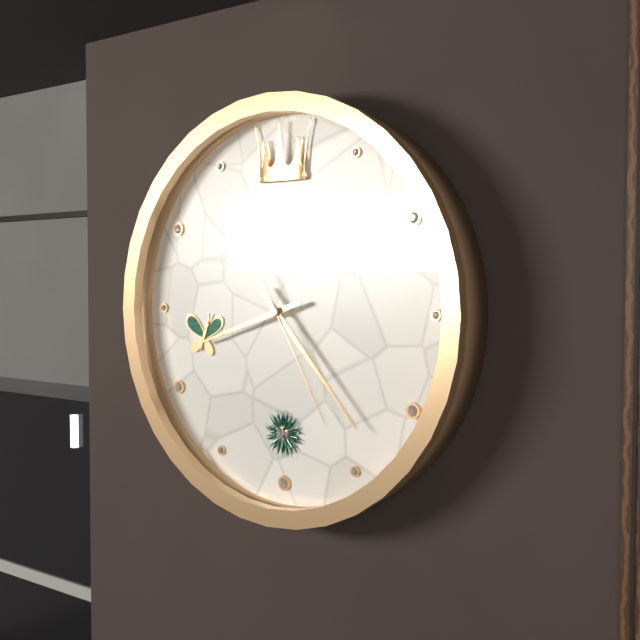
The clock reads 8:23:25
